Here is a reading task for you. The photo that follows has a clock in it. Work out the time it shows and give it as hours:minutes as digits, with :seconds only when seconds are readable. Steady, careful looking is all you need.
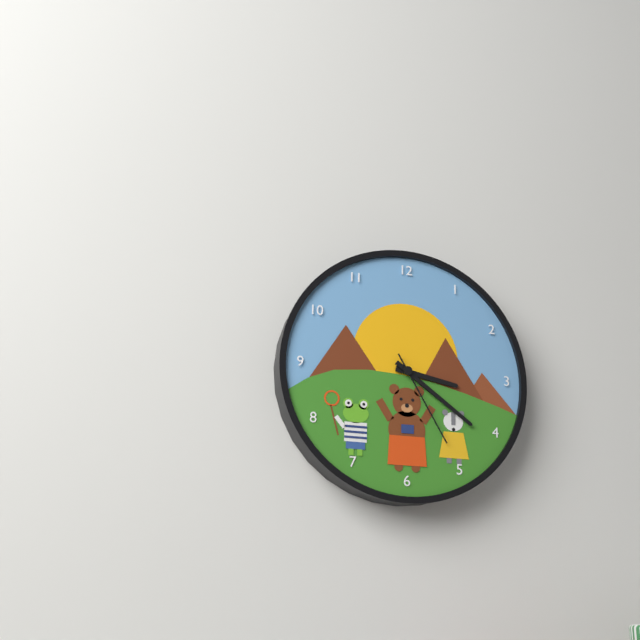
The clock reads 3:21:25
